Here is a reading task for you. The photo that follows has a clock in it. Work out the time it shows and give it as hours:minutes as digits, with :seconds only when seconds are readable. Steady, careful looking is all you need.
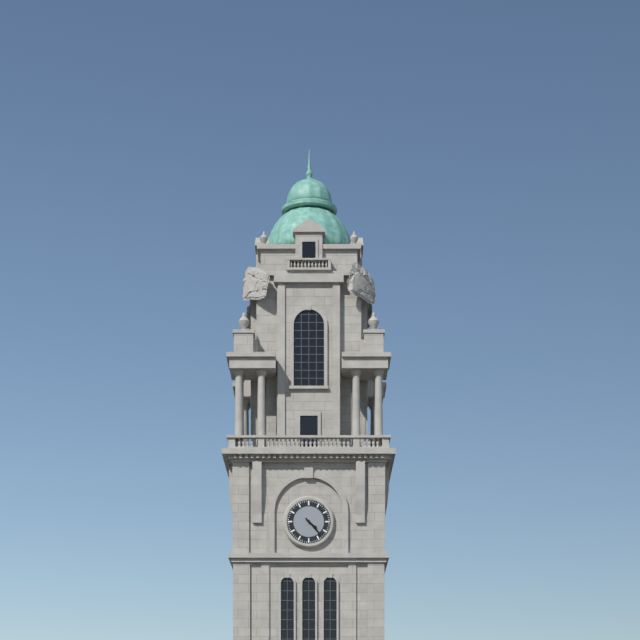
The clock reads 4:23
